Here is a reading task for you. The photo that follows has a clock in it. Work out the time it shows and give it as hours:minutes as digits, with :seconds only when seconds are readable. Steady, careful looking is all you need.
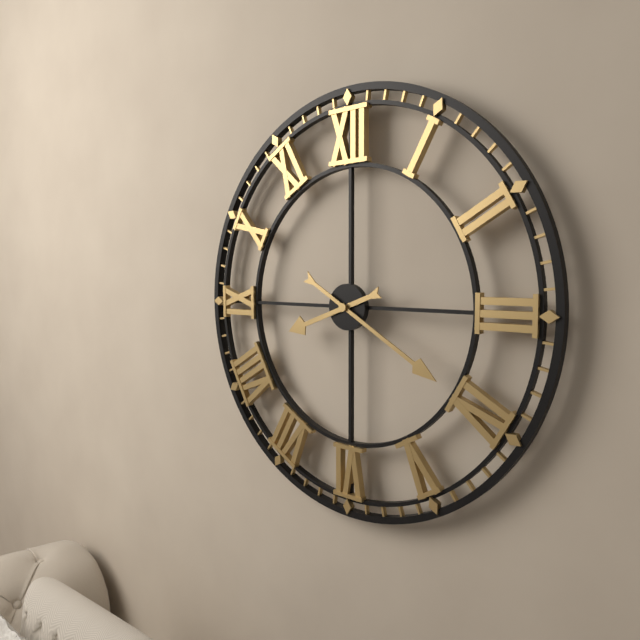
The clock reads 8:20
